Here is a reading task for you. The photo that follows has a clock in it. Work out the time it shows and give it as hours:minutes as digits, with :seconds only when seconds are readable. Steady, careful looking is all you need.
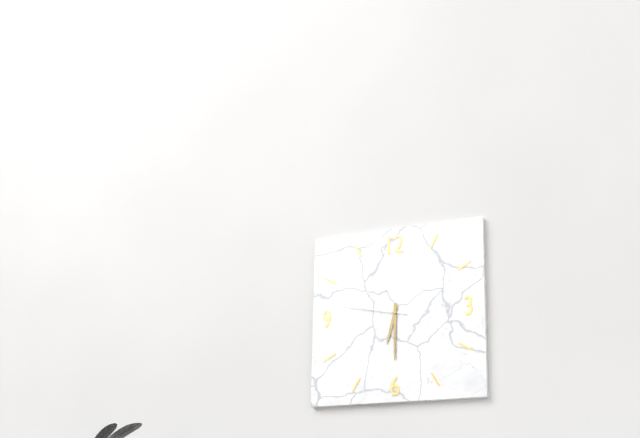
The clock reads 6:30:47
